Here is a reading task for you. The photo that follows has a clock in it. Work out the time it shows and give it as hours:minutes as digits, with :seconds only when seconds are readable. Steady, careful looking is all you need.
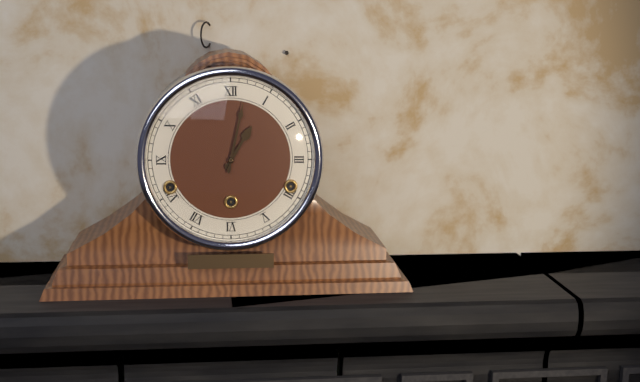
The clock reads 1:02
